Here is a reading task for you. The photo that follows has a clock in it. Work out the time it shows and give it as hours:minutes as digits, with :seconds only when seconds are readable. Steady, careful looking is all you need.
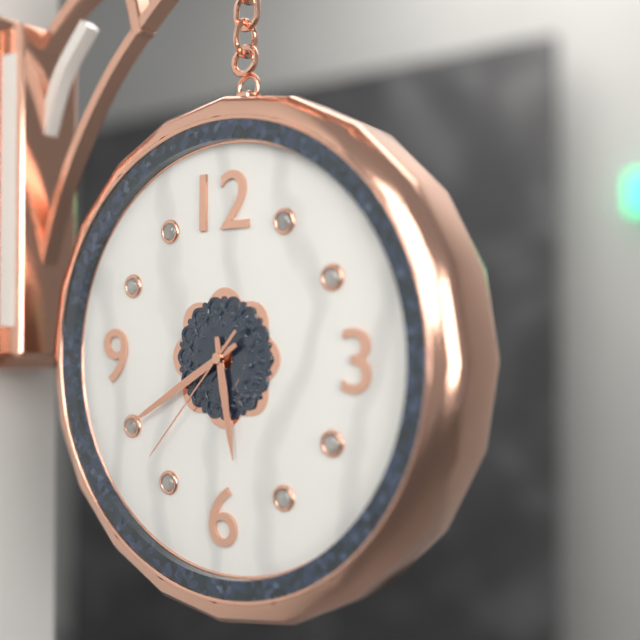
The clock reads 5:40:37
